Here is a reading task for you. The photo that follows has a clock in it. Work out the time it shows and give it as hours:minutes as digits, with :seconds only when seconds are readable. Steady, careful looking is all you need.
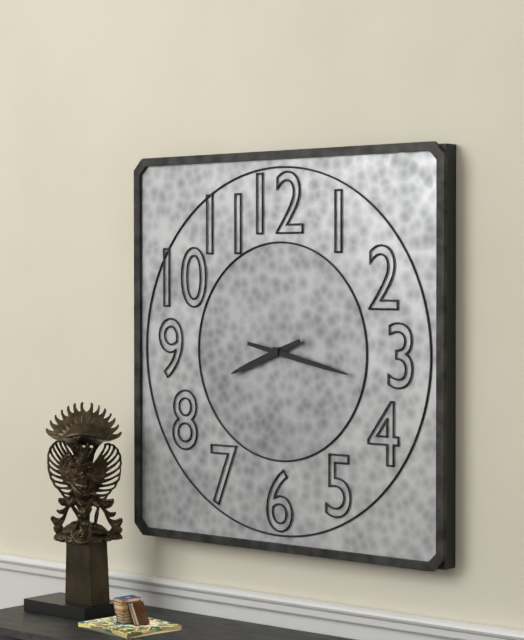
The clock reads 8:17
